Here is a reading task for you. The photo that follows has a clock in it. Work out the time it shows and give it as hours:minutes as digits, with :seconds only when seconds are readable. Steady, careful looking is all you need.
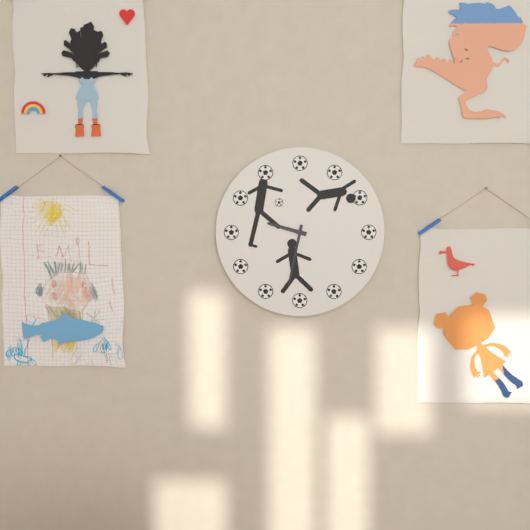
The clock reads 9:32
